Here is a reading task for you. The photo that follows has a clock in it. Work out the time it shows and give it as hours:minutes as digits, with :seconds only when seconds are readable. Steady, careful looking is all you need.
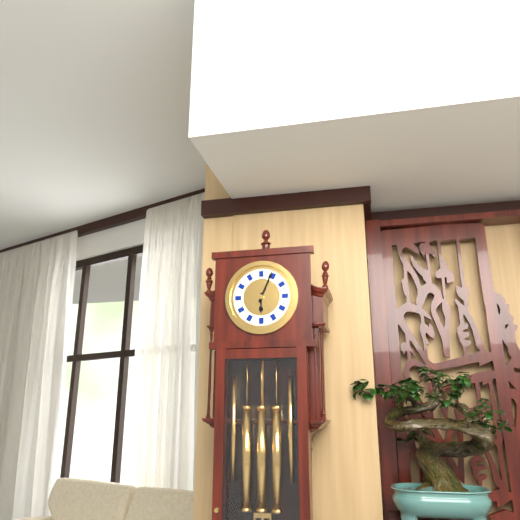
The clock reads 6:04
